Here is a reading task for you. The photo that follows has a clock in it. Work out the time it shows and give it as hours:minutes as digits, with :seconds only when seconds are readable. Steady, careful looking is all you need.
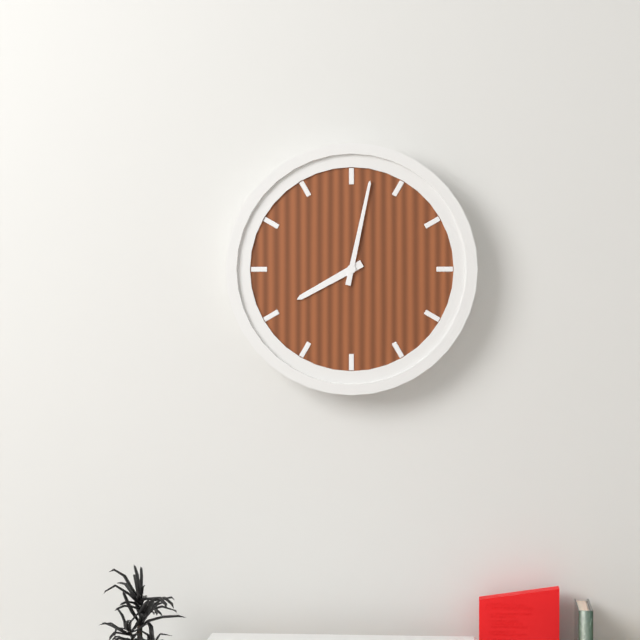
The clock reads 8:02
